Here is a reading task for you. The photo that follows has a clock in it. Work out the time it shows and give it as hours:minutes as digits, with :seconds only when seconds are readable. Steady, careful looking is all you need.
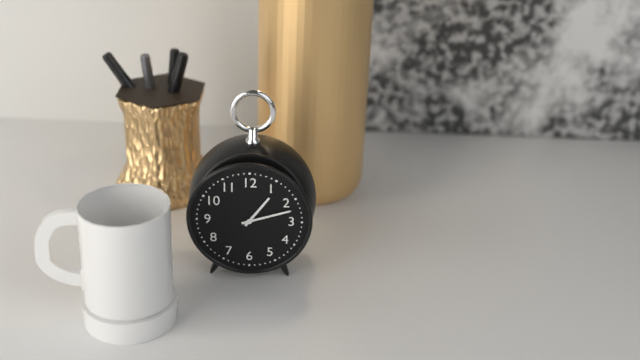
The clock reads 1:12
